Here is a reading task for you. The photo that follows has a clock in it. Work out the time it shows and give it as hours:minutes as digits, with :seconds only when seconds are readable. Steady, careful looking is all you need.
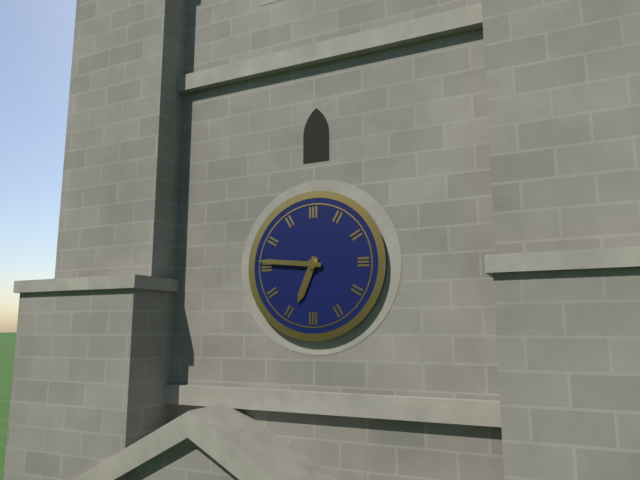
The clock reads 6:46
